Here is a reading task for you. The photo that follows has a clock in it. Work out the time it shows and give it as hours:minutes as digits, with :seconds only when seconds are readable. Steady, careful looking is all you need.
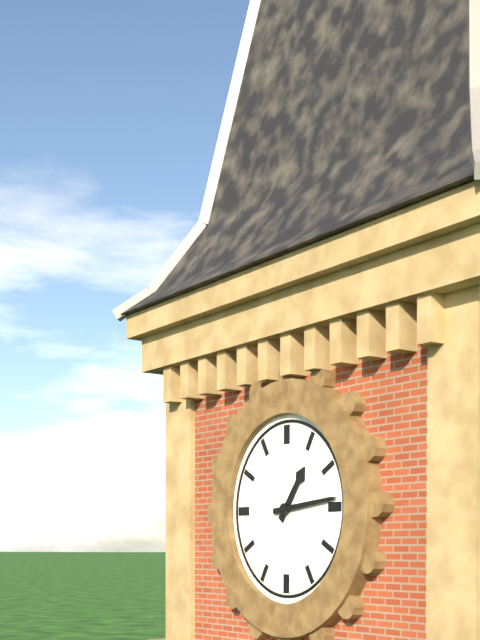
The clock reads 1:14
